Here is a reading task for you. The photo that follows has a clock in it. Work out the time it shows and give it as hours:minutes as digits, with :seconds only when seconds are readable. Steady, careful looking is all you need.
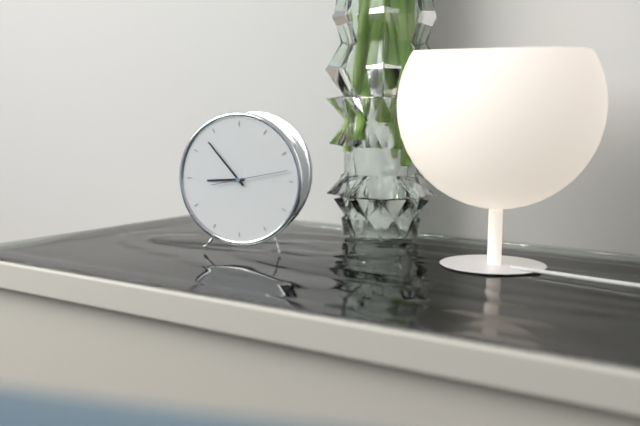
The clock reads 8:53:13
